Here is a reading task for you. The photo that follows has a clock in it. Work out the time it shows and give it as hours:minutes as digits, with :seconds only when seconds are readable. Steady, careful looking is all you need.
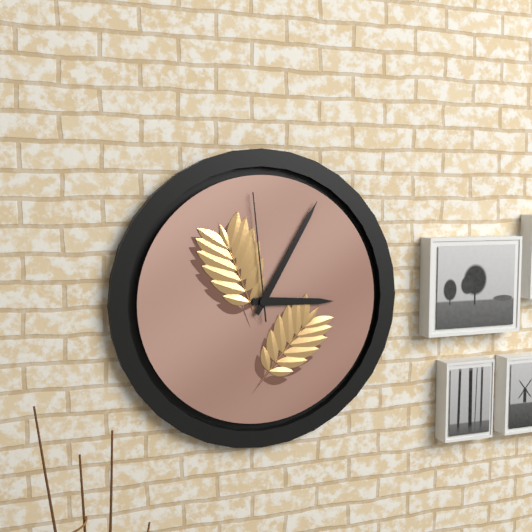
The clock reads 3:05:59
